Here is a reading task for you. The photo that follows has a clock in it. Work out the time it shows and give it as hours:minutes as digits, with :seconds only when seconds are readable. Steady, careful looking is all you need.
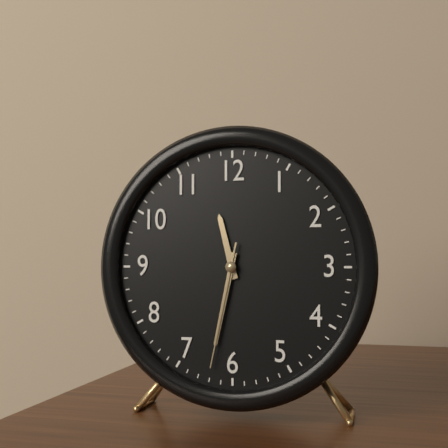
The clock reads 11:32:32
